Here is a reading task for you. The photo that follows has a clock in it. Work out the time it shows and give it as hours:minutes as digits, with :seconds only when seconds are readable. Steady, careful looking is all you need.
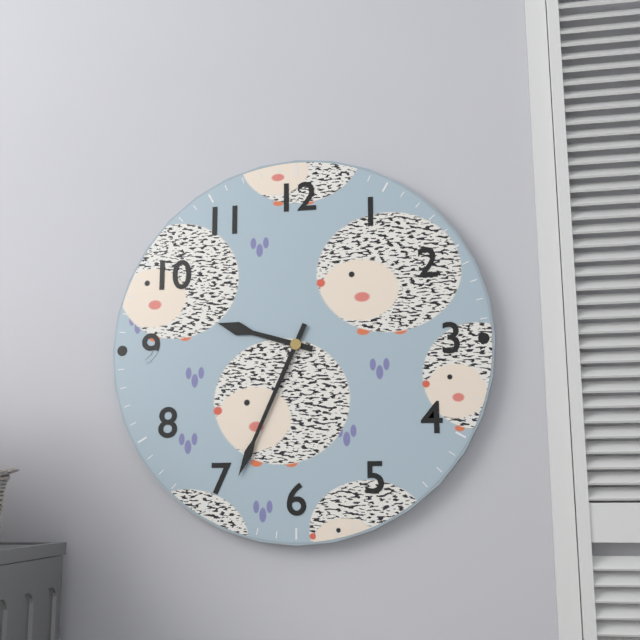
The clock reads 9:34
